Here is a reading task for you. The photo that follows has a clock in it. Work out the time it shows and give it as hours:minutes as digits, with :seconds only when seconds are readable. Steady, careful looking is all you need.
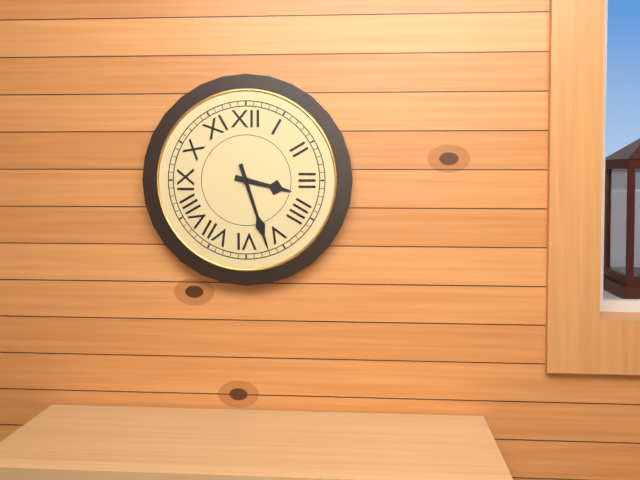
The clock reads 3:27
